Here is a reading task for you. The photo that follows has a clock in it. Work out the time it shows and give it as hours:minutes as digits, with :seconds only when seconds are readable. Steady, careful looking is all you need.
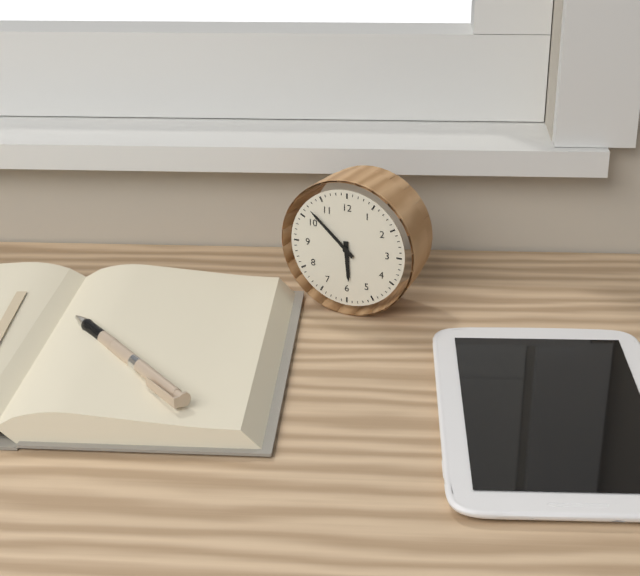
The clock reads 5:52
